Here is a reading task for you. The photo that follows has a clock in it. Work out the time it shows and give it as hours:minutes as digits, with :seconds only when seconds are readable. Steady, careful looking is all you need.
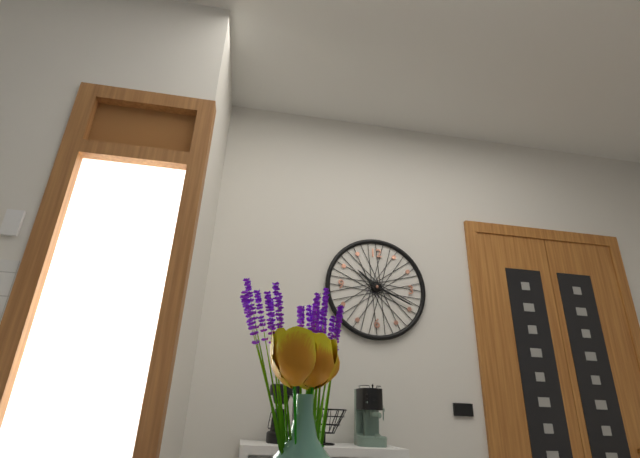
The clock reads 10:19
